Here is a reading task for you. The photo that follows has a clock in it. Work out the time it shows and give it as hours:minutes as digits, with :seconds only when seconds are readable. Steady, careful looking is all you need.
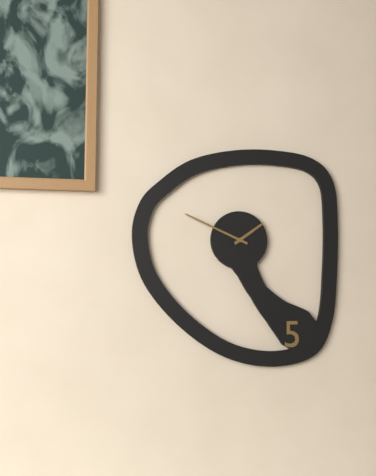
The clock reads 1:49
